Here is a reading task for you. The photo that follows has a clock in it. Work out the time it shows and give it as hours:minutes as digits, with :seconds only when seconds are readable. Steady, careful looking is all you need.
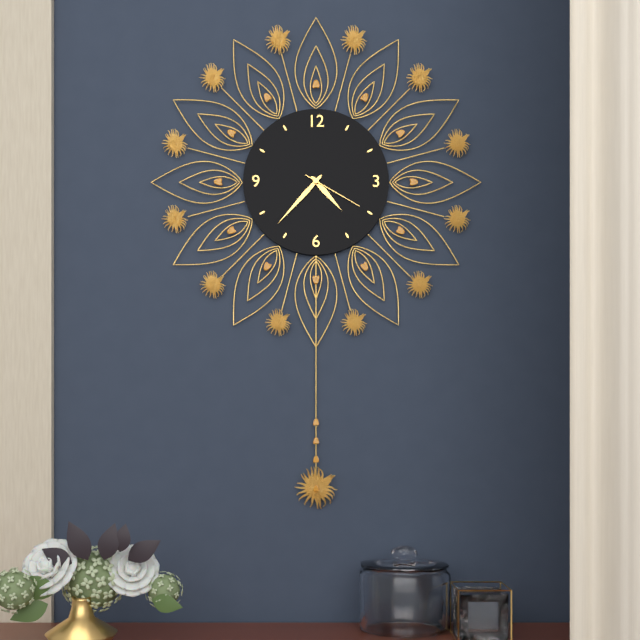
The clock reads 4:37:20
